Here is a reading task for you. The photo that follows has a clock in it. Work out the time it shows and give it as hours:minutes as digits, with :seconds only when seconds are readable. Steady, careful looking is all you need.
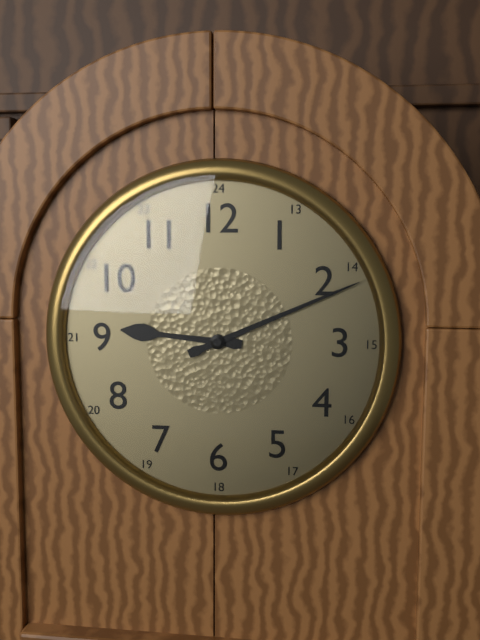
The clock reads 9:11
